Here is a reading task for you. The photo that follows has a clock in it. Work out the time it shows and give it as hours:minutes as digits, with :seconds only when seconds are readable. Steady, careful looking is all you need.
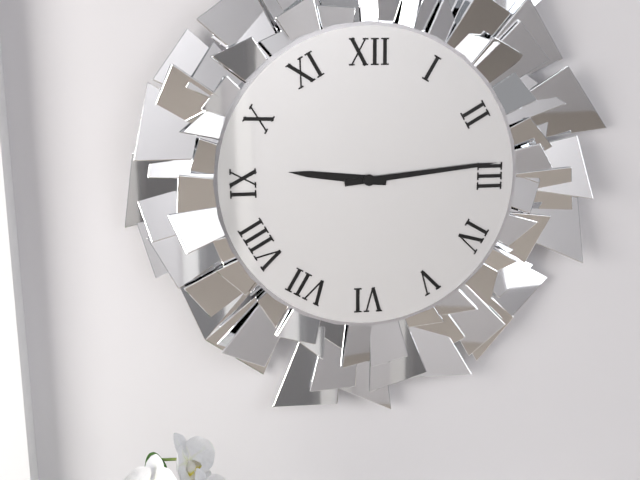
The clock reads 9:14
